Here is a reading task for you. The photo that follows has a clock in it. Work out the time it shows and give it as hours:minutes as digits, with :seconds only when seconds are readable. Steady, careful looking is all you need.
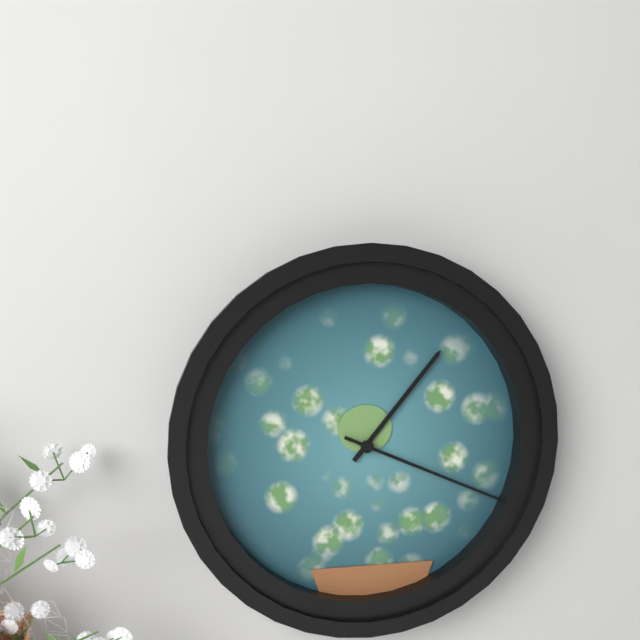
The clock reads 1:19
